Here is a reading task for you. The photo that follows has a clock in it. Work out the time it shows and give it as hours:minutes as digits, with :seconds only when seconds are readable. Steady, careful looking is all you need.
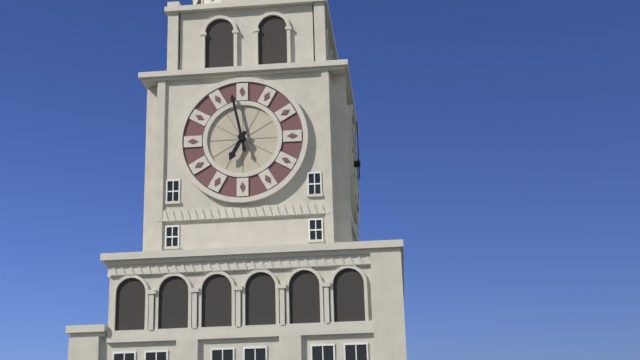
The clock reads 6:58
